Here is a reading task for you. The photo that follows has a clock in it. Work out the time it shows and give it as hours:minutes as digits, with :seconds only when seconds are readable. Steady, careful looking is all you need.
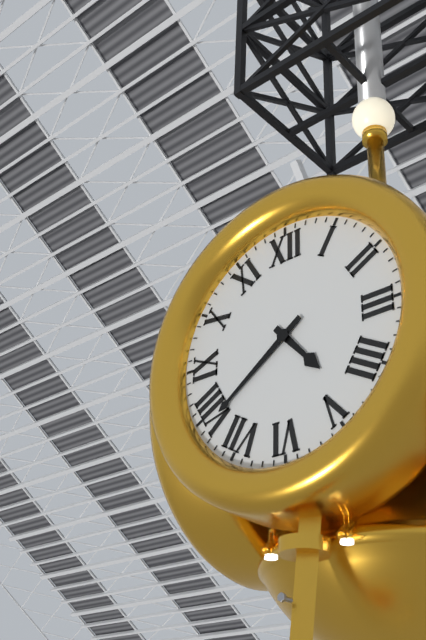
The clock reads 4:39
